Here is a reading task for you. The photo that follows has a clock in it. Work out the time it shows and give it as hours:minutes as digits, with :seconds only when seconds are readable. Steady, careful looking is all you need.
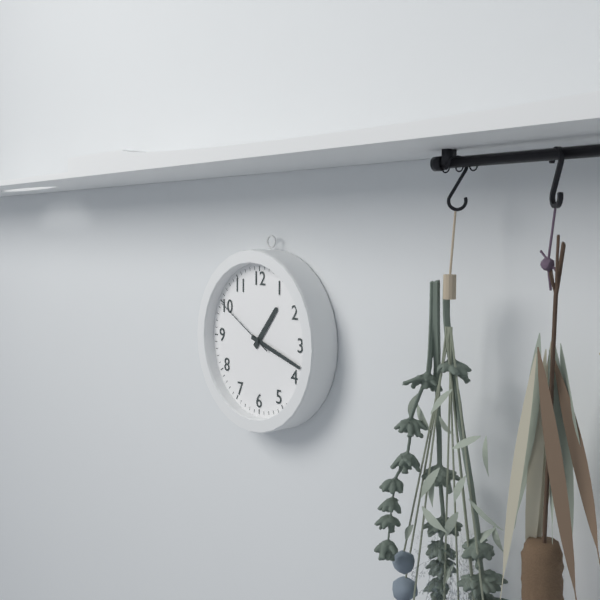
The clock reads 1:18:50
